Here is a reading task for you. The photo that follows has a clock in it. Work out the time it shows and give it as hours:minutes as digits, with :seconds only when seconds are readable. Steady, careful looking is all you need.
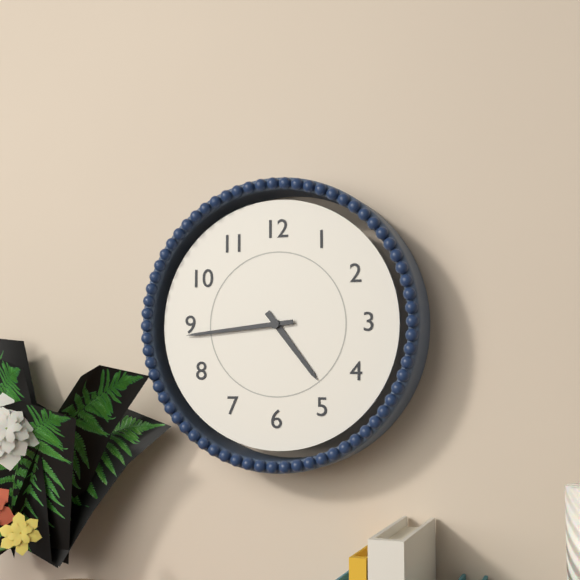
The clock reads 4:44
